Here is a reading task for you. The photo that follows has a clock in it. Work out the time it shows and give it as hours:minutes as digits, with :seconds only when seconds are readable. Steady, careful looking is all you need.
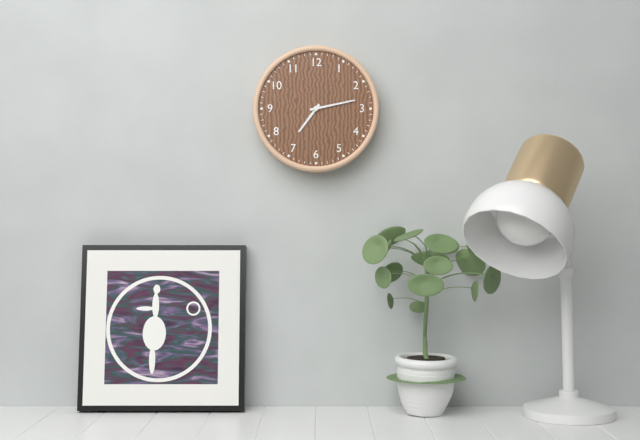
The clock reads 7:13
